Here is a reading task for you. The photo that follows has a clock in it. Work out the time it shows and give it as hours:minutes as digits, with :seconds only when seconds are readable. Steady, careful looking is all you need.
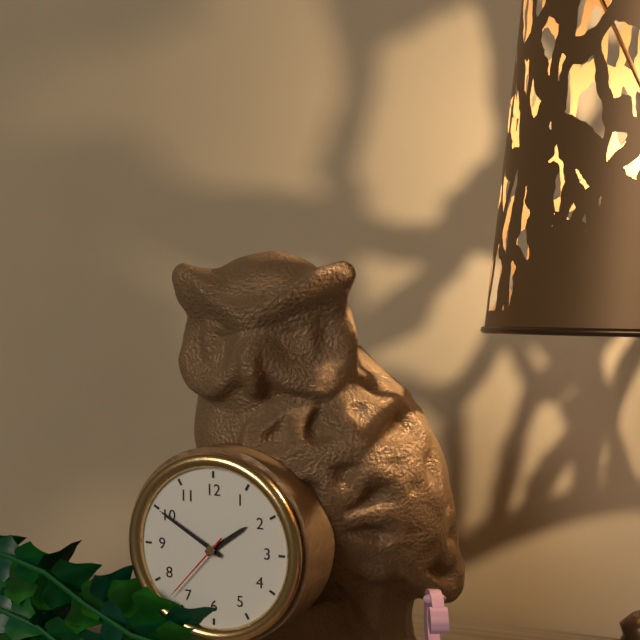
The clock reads 1:50:37
